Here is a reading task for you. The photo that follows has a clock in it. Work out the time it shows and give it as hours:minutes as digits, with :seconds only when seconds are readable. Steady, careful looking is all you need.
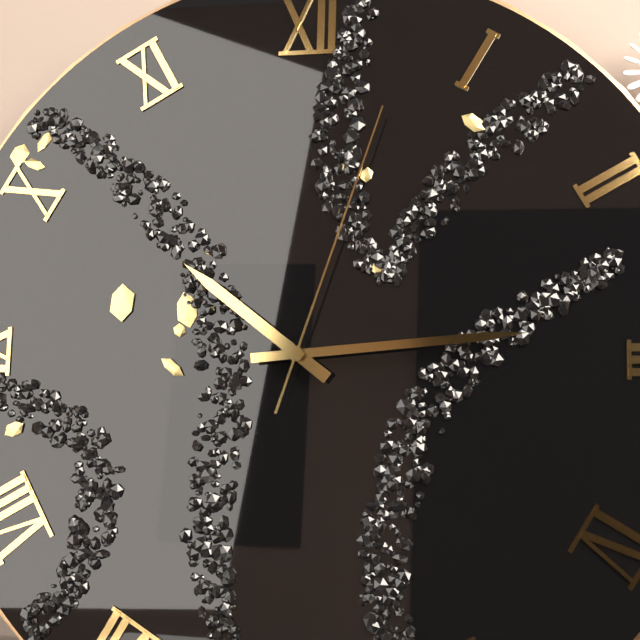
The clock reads 10:14:03
